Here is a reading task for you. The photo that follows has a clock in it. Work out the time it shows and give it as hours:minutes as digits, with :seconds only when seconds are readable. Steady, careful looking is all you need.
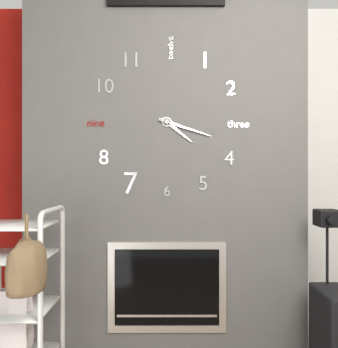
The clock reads 4:18
